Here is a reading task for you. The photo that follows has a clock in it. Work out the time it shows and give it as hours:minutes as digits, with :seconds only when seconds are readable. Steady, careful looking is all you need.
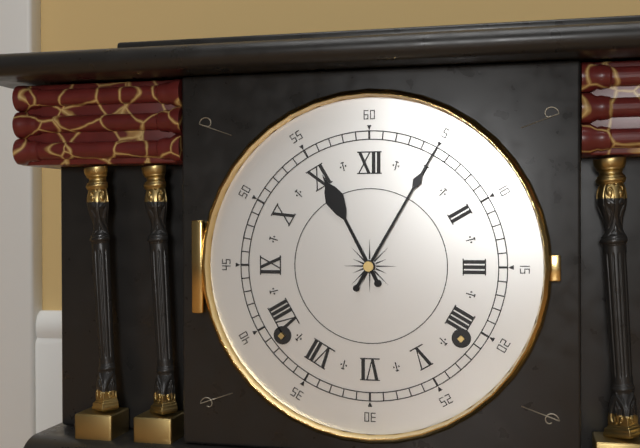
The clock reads 11:05
